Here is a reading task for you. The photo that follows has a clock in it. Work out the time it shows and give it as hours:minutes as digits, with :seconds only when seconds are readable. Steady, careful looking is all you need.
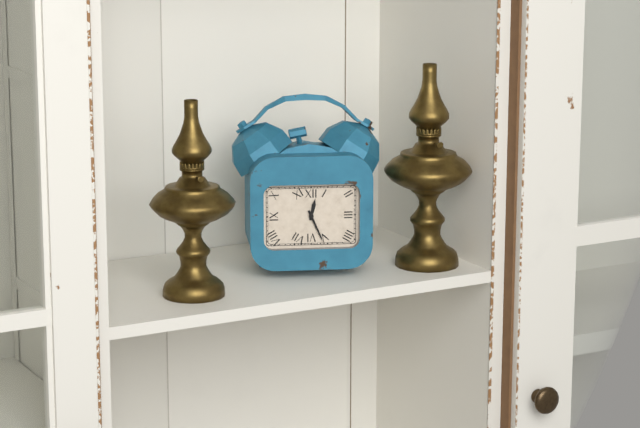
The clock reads 12:26
